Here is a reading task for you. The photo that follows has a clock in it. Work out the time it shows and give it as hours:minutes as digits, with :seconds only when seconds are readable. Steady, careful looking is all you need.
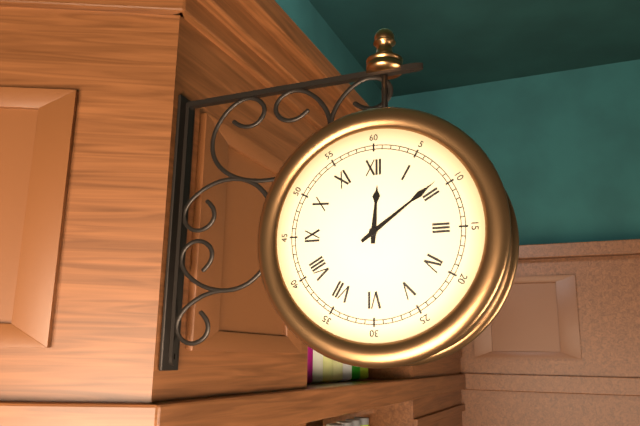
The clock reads 12:09
